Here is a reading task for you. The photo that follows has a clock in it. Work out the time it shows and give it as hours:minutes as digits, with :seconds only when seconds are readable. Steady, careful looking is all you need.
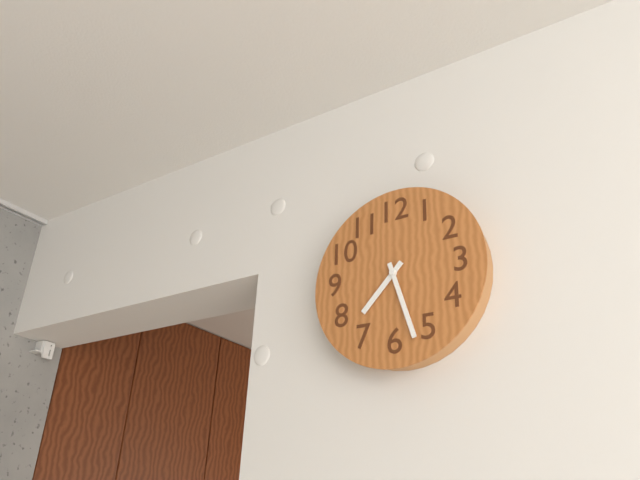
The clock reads 7:27
